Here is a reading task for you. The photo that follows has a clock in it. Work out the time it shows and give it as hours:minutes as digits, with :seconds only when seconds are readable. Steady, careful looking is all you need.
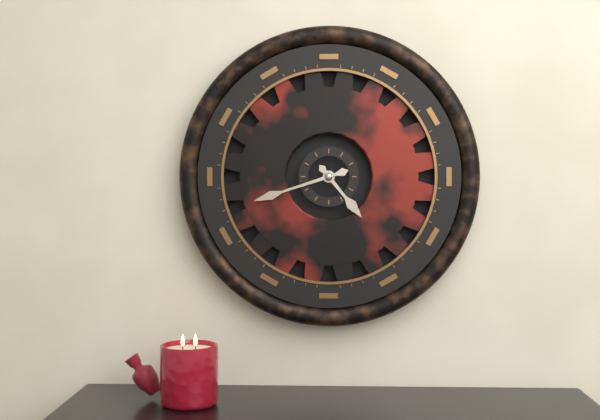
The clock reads 4:42
